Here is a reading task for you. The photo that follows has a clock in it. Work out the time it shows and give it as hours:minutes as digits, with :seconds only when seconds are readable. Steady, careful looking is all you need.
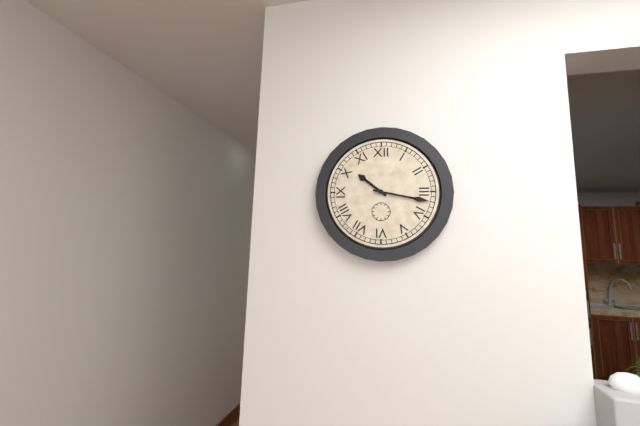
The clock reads 10:17
